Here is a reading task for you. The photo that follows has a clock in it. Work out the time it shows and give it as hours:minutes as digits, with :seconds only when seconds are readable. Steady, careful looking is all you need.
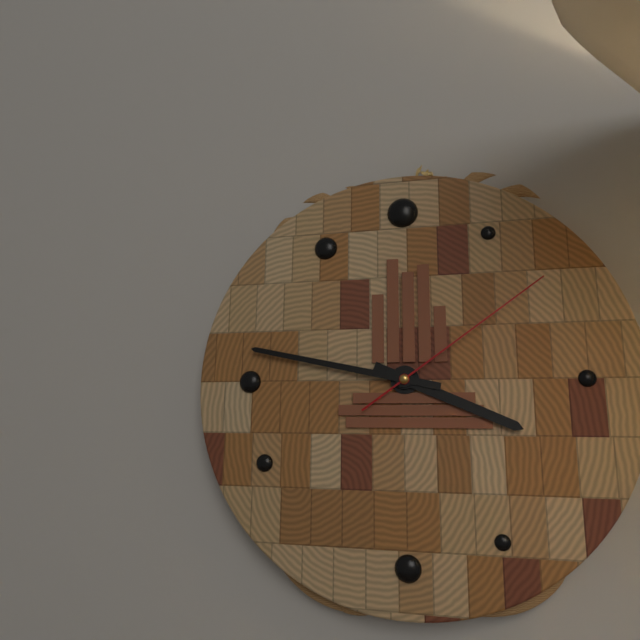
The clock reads 3:47:09
